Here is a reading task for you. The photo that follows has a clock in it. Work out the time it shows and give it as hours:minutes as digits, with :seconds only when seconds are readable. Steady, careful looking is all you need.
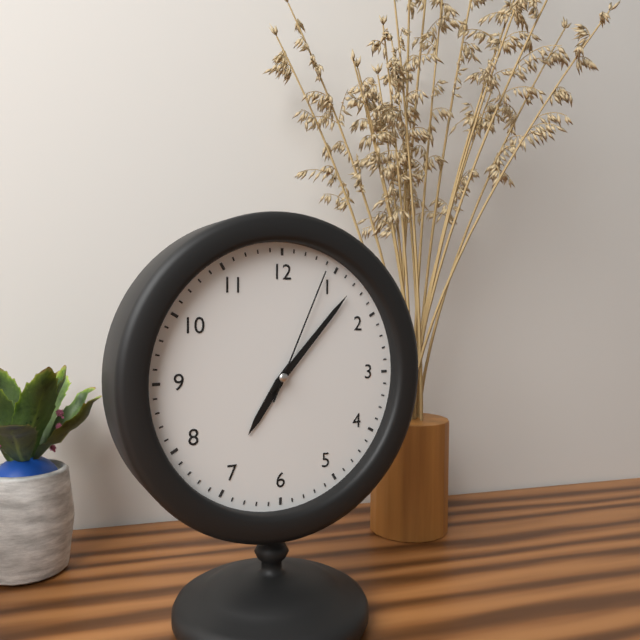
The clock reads 7:07:04
